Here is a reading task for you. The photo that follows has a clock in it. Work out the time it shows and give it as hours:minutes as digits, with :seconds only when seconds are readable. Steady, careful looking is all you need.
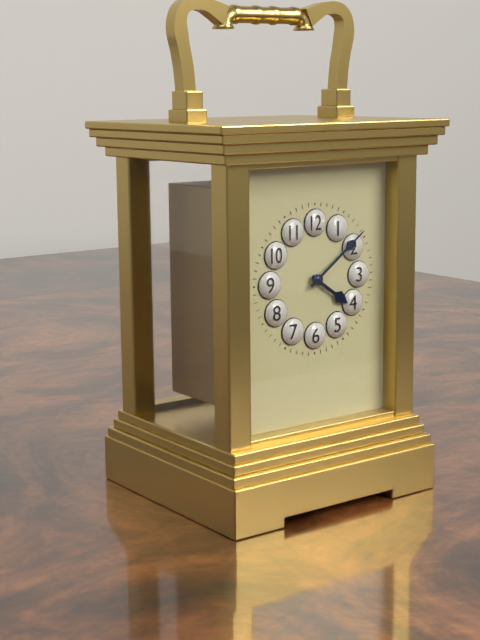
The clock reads 4:09
